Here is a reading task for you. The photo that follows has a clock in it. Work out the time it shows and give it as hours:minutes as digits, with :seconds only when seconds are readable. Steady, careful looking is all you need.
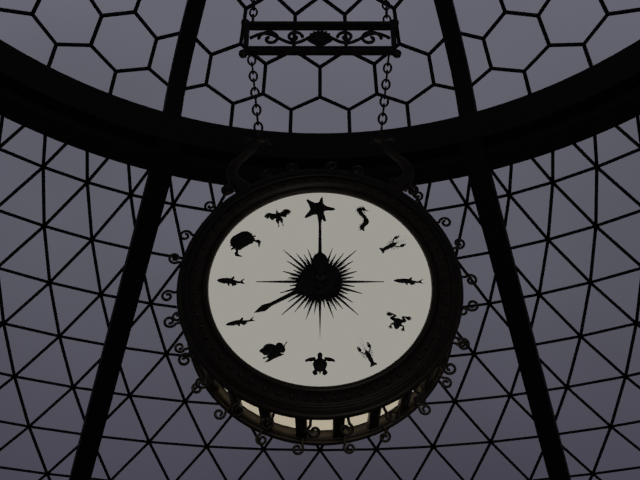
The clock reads 8:00
